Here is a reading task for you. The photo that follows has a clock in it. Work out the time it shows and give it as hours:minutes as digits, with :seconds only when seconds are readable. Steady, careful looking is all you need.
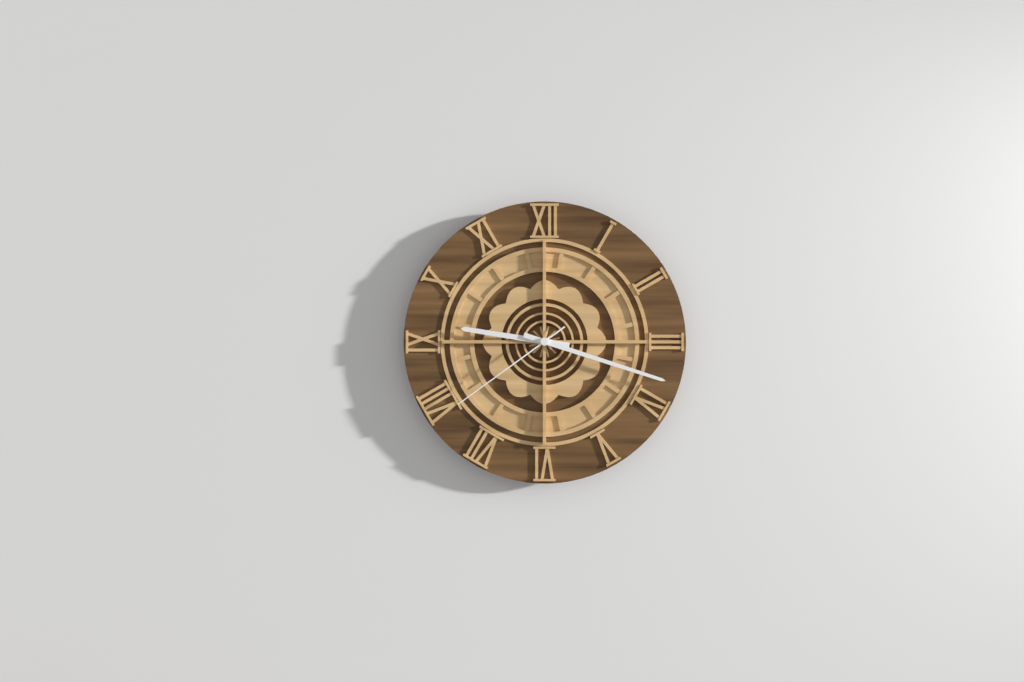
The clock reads 9:18:39
